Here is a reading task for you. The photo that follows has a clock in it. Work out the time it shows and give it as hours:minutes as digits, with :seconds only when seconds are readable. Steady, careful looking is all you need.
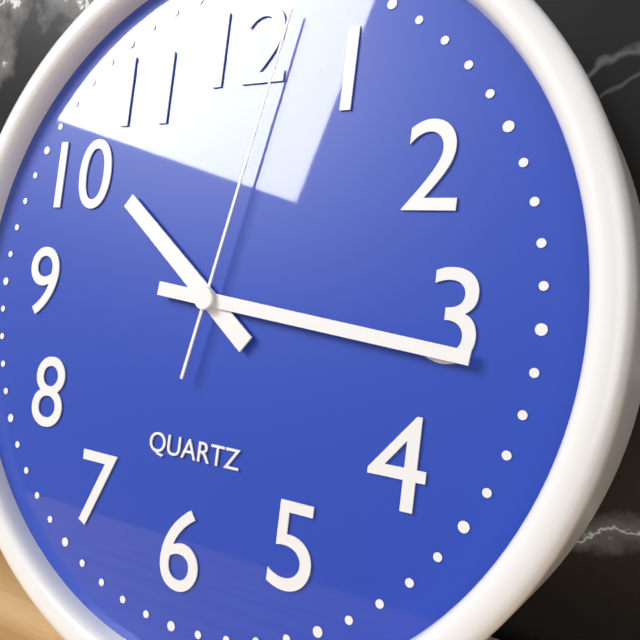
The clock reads 10:16:02
